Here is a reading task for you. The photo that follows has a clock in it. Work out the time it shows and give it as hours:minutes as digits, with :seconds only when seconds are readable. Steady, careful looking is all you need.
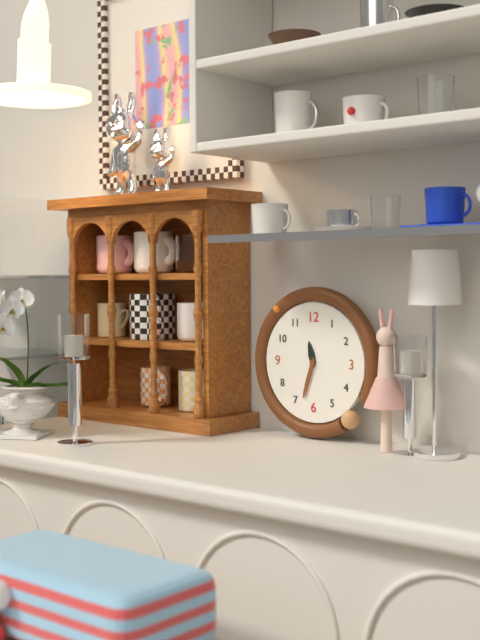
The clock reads 11:33
